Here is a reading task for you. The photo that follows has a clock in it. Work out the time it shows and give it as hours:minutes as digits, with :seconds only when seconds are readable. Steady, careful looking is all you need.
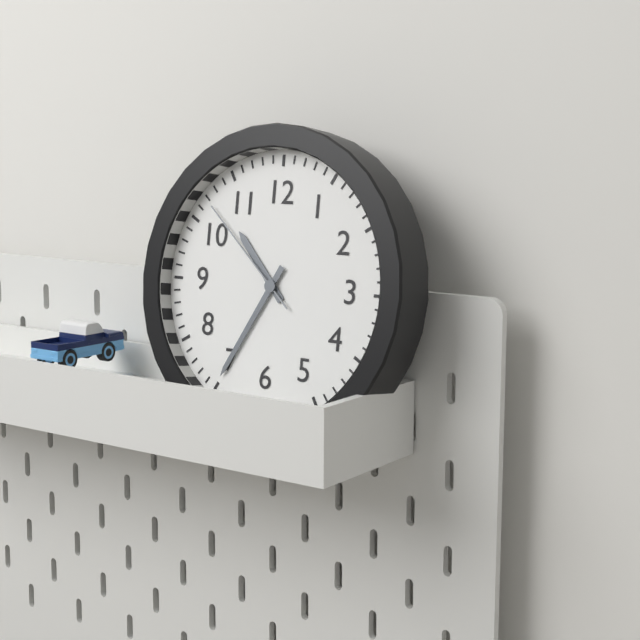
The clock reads 10:35:52
